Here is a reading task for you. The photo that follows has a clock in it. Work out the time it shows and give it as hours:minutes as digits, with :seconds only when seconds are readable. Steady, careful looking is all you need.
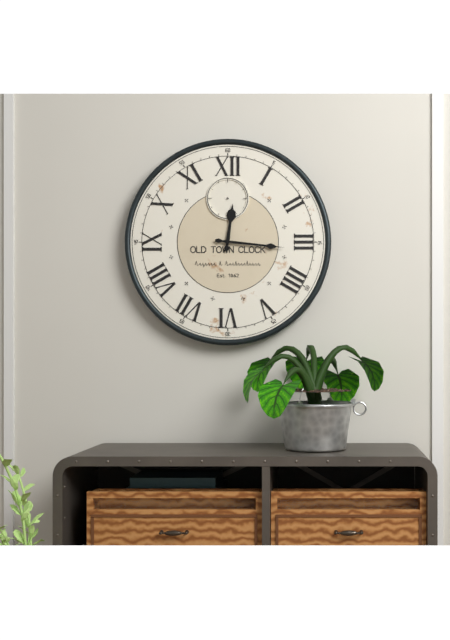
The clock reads 12:16
